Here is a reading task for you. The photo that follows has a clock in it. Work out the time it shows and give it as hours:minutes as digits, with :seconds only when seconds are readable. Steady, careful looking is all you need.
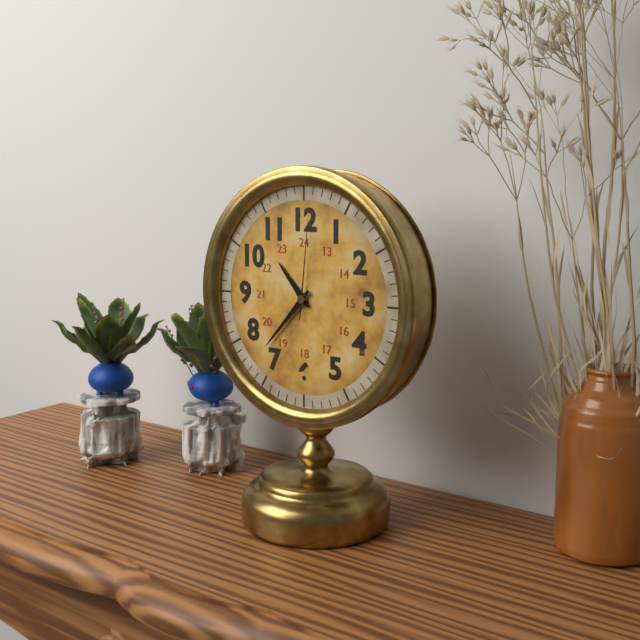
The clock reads 10:37:01
